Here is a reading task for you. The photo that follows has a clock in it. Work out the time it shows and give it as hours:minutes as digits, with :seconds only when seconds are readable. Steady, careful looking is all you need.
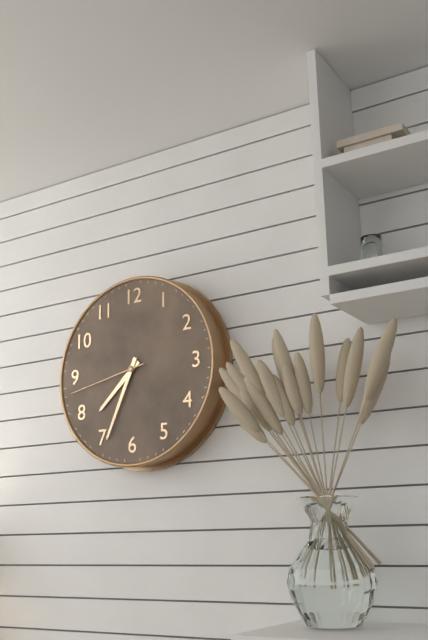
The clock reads 7:34:43
